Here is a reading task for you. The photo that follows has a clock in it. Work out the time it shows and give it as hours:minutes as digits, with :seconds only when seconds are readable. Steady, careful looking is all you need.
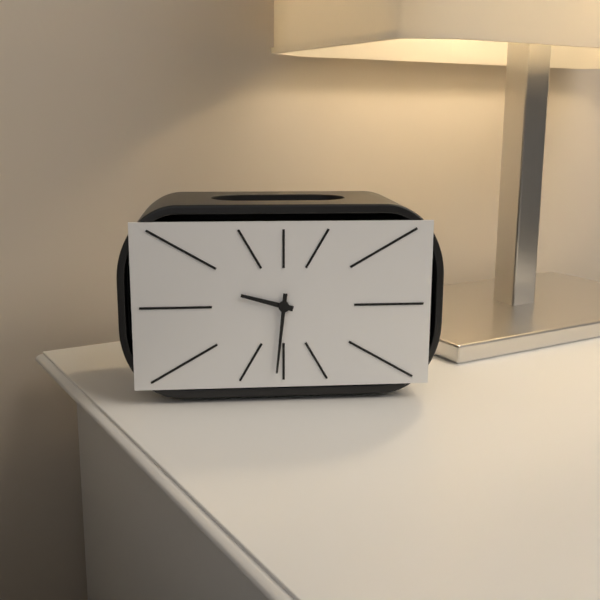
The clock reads 9:31
